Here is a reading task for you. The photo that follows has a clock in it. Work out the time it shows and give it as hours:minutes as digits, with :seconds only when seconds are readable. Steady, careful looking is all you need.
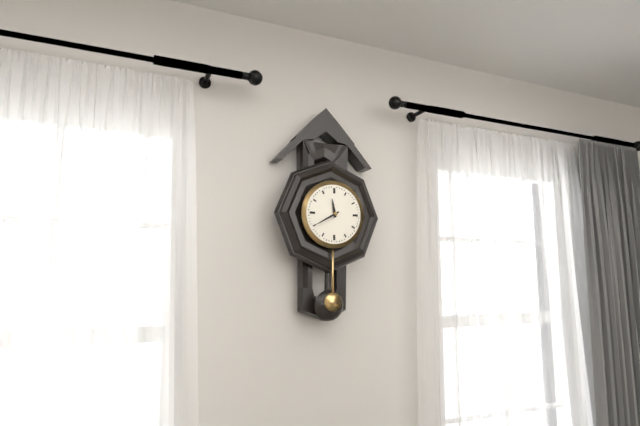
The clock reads 11:40
